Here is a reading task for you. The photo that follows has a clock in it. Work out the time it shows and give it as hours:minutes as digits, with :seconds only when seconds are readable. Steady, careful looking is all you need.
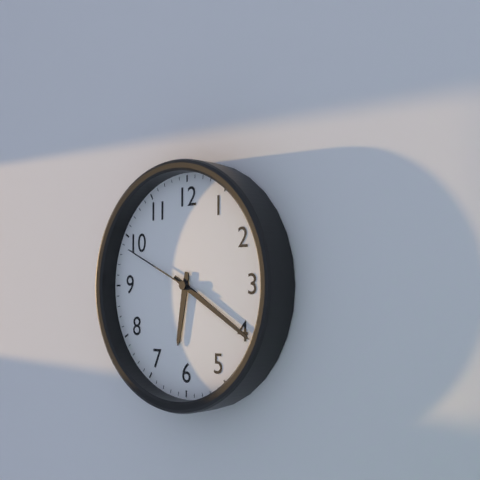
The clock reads 6:20:49
